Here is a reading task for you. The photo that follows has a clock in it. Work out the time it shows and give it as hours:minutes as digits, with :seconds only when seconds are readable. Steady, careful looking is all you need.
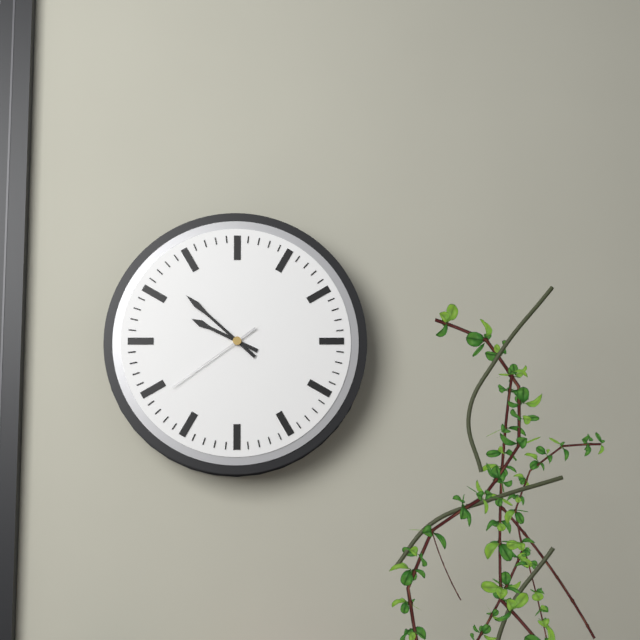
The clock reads 9:52:39
